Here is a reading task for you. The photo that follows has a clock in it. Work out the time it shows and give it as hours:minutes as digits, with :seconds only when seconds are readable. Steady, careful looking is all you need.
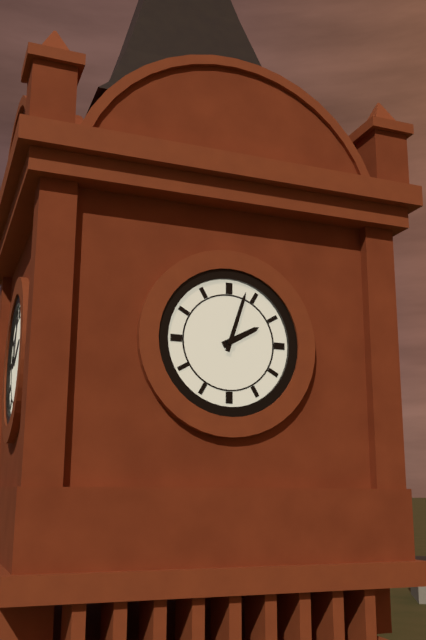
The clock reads 2:03
